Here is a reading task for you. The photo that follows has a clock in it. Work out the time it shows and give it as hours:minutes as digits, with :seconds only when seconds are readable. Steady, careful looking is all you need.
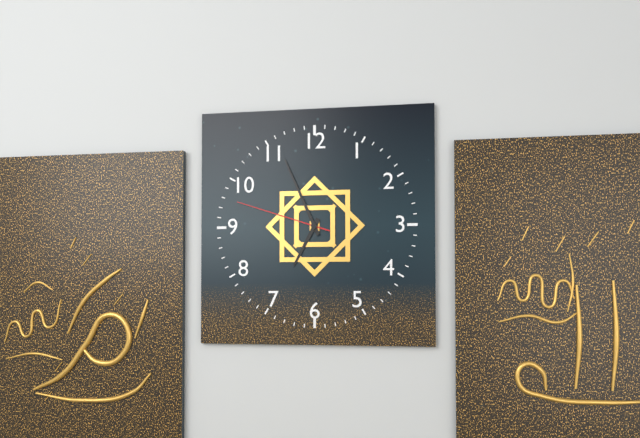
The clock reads 6:56:48
